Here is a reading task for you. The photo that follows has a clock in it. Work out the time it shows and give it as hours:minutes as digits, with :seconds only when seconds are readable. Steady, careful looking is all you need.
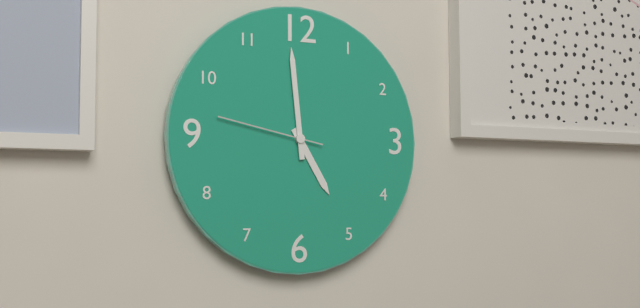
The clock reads 4:59:47
